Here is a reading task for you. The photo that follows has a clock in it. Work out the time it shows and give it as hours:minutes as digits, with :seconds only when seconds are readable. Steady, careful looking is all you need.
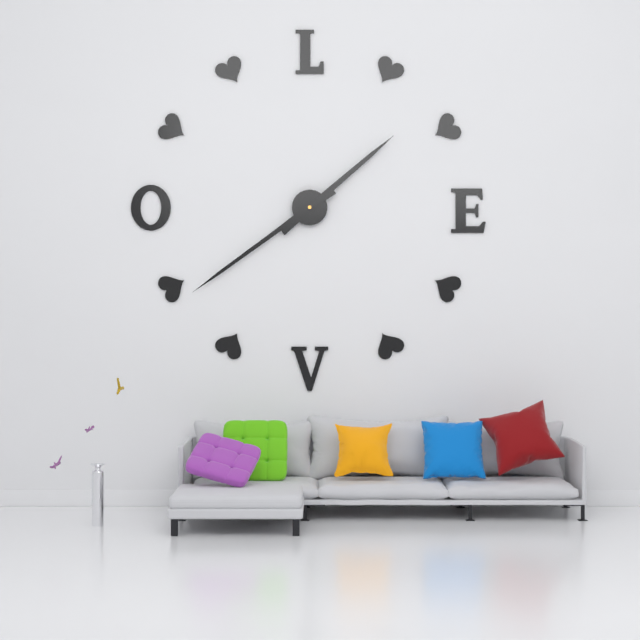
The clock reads 1:39
